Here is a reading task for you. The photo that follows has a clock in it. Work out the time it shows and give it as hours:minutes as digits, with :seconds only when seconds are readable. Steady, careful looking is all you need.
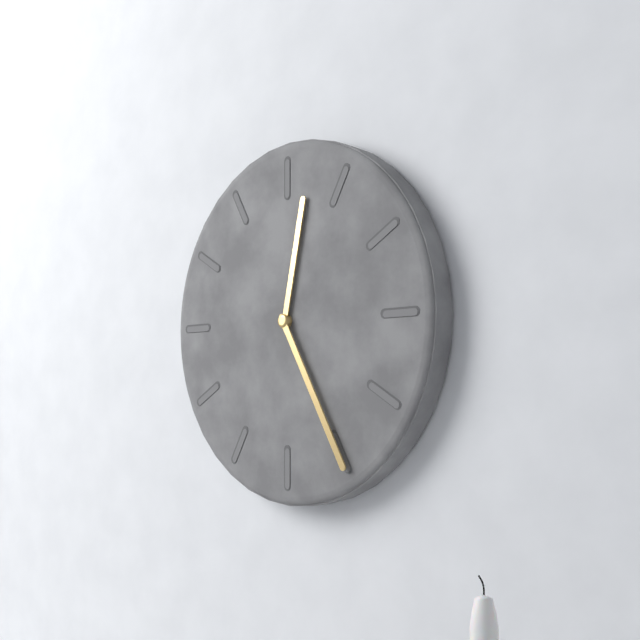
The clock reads 12:25
